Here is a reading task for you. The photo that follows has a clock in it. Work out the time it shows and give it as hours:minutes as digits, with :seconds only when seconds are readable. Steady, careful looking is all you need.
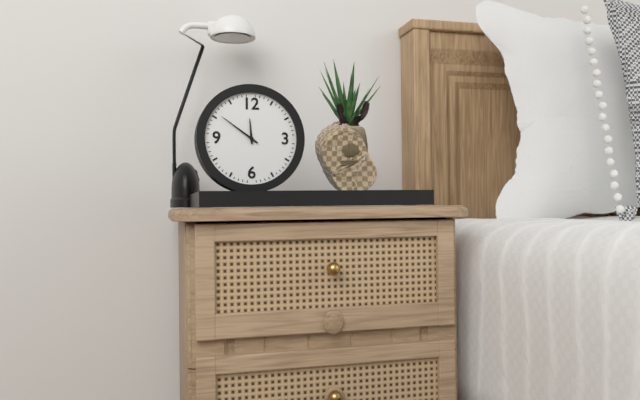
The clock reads 11:51
